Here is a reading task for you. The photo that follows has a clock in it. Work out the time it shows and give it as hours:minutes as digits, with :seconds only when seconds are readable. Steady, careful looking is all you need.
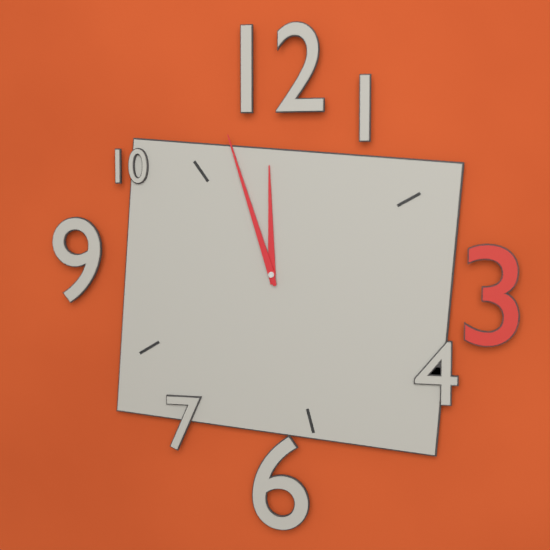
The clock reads 11:57
